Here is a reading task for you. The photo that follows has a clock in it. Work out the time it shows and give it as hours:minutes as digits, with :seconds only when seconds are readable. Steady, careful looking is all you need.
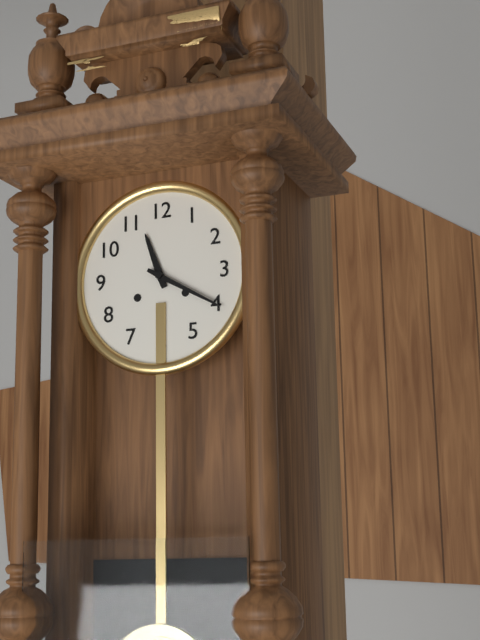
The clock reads 11:20
